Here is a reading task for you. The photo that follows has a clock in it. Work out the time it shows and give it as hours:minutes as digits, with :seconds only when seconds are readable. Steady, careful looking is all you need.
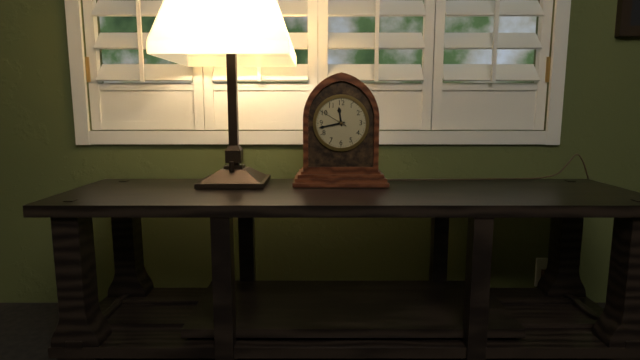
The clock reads 11:43
